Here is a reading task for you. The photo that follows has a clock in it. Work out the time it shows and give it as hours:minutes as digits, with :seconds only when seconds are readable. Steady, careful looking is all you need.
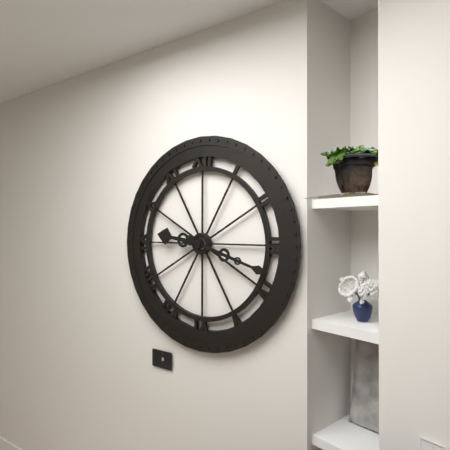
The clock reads 9:18
